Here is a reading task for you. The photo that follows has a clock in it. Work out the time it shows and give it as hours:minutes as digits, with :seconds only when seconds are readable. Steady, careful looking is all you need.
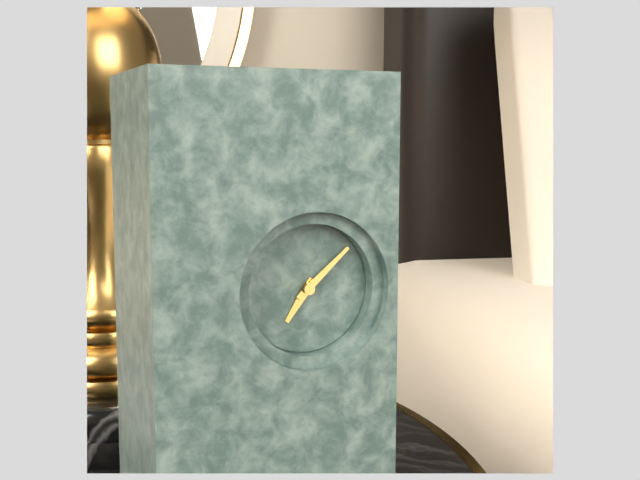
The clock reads 7:08
